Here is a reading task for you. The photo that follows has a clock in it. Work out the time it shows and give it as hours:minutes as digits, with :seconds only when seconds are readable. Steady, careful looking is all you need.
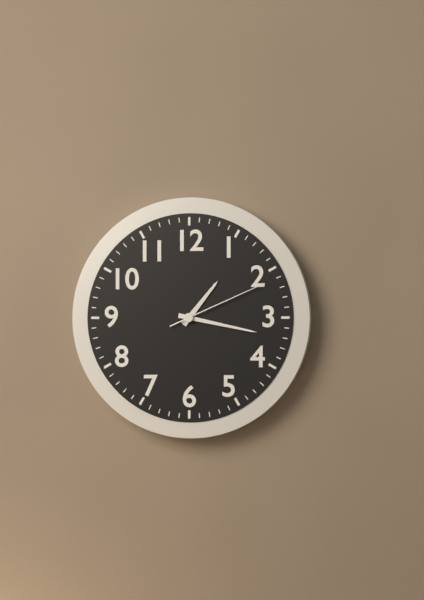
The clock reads 1:17:11
